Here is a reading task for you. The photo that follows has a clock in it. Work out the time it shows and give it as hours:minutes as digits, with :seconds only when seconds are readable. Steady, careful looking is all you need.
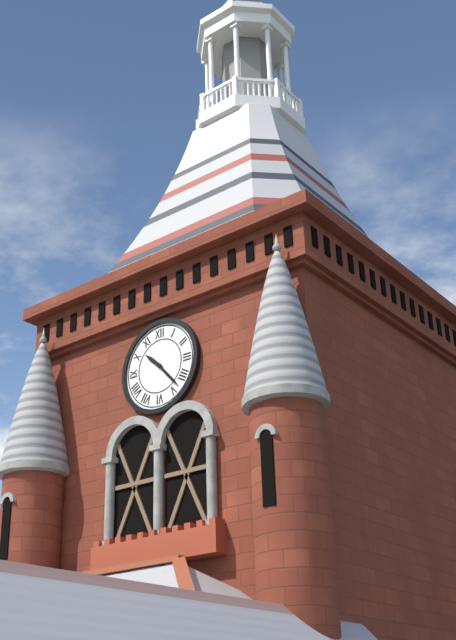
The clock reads 10:23
